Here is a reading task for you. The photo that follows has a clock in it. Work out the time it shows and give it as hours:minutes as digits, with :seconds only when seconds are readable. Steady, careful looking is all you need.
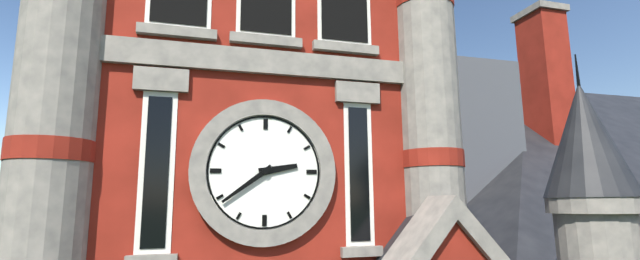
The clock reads 2:39
